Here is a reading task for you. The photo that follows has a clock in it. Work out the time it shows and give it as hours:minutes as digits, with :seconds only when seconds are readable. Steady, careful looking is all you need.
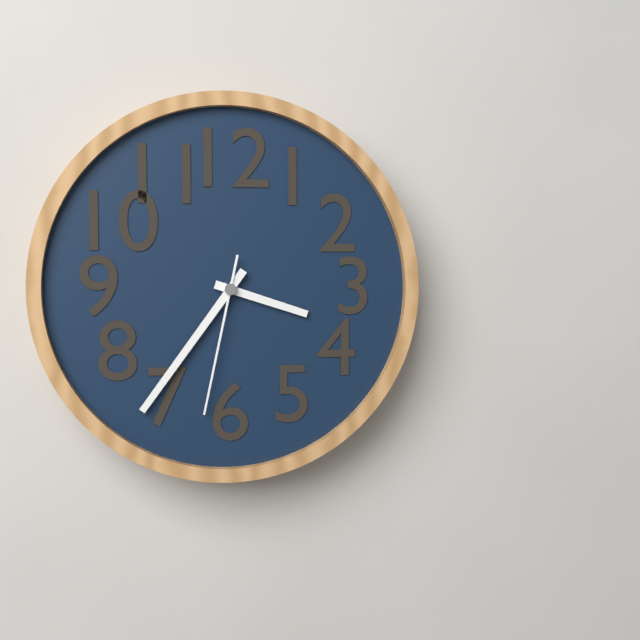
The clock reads 3:36:32
